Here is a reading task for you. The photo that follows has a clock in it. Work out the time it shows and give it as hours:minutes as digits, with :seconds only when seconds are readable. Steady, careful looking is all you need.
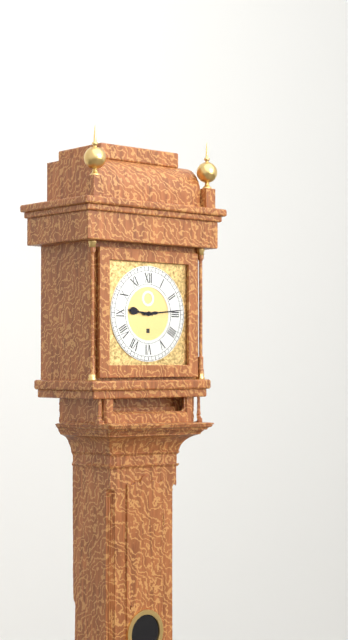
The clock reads 9:14
